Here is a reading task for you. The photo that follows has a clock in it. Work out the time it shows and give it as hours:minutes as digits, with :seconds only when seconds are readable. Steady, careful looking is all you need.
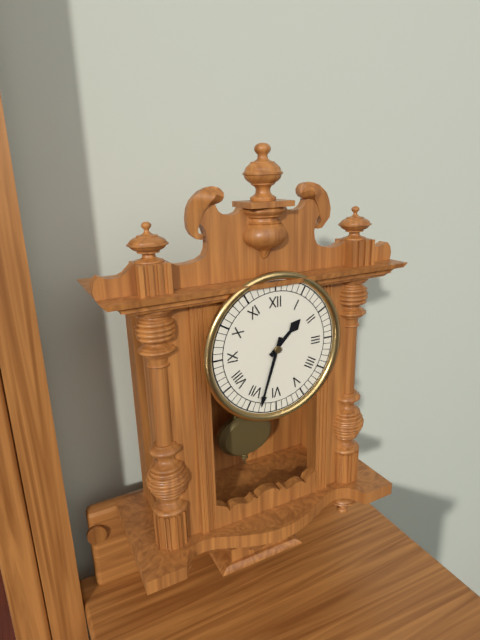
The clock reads 1:33
